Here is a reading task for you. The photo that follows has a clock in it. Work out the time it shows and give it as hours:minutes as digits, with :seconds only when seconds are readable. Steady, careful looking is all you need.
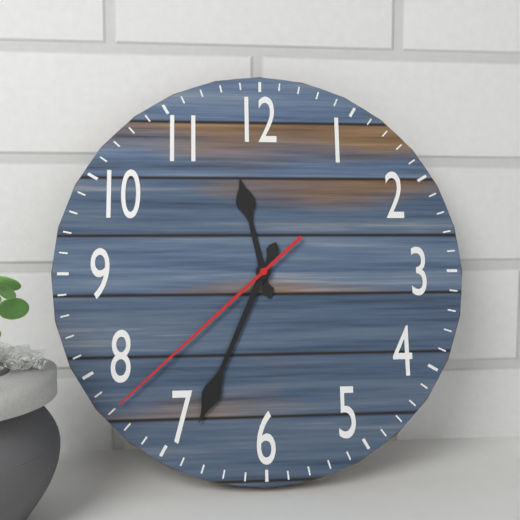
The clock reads 11:34:38
